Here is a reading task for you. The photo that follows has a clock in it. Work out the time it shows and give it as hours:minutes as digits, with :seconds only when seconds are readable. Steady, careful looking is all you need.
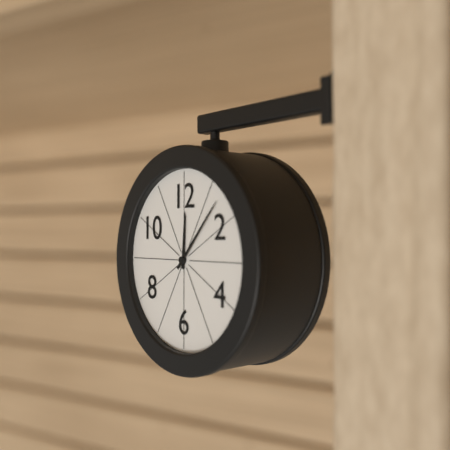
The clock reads 12:07
